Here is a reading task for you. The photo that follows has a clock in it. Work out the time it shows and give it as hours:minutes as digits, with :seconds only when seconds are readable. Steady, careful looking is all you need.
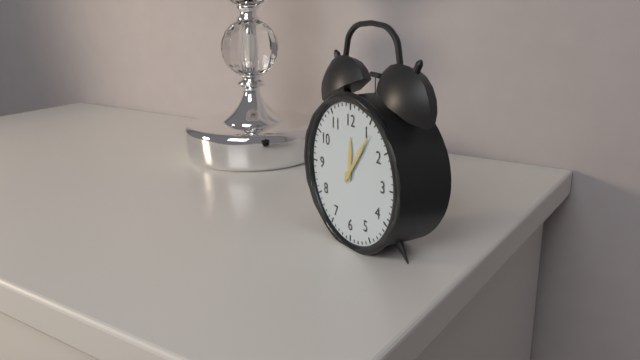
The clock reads 12:06
